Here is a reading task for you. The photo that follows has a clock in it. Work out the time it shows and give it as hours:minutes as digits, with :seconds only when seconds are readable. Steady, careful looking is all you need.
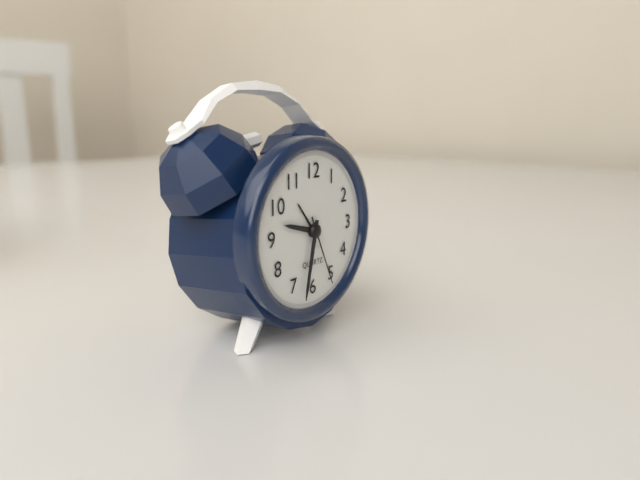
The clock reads 9:32:26
